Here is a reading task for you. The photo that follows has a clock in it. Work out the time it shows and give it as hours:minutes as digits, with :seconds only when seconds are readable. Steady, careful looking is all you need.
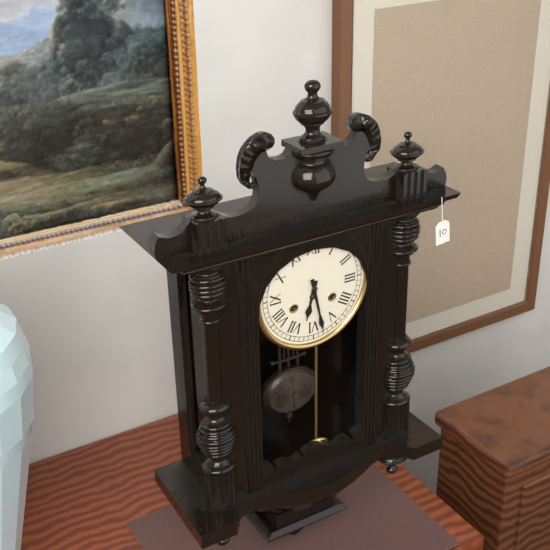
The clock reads 6:28
